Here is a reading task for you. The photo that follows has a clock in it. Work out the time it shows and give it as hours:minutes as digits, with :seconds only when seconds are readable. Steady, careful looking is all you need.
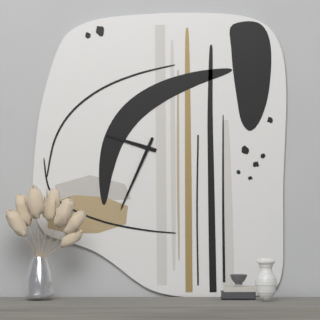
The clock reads 9:34
